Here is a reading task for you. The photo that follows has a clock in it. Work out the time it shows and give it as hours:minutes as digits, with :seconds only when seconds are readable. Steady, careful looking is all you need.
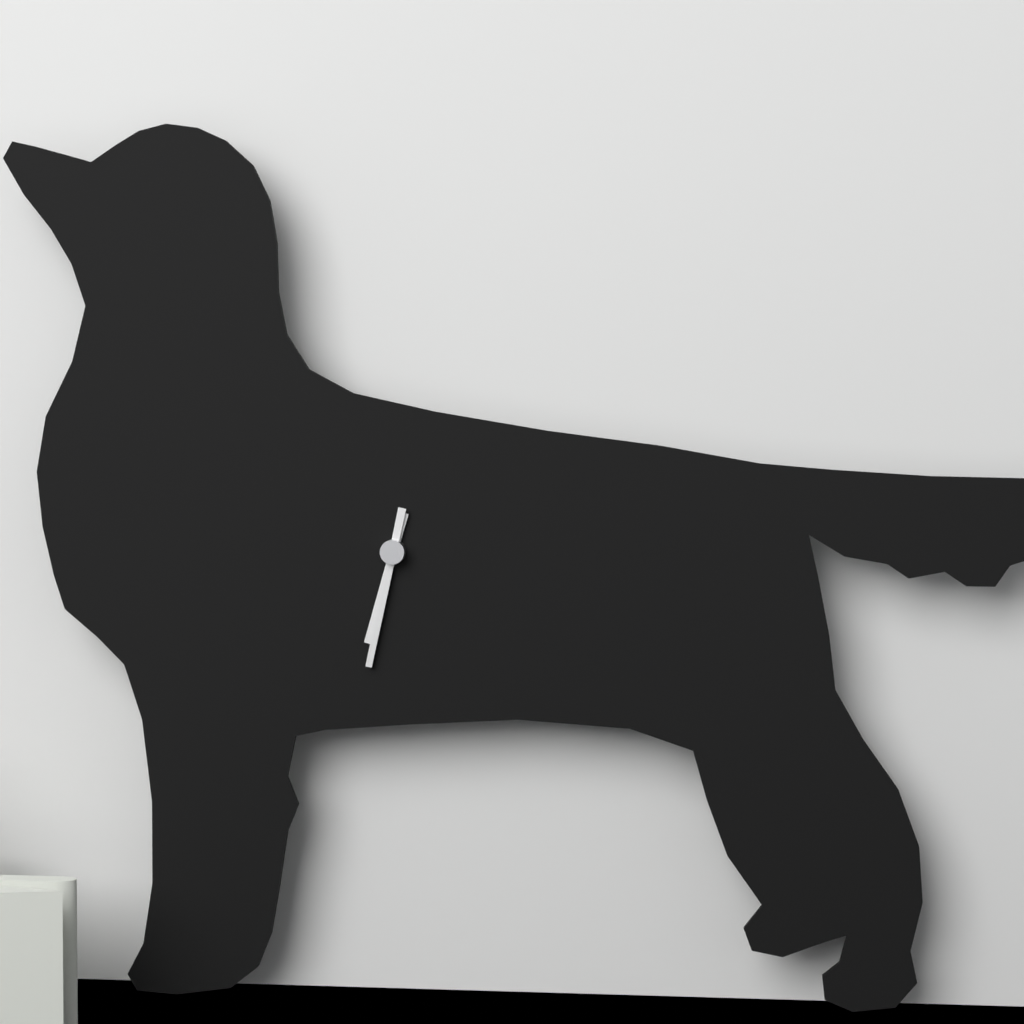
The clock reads 6:32
